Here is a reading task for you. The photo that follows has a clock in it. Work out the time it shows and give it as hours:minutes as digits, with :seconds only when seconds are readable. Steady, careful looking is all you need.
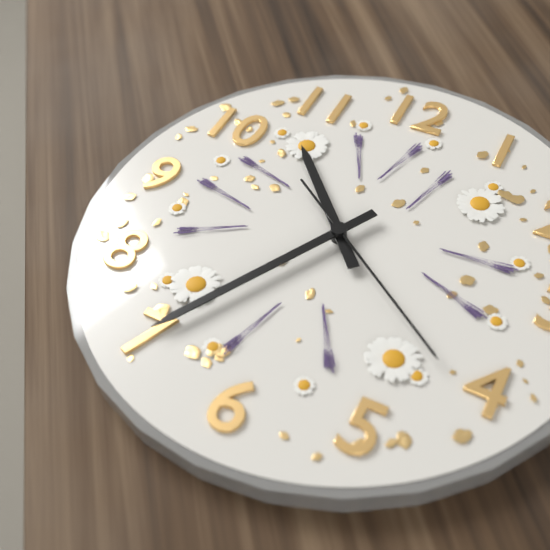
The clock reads 10:35:21
